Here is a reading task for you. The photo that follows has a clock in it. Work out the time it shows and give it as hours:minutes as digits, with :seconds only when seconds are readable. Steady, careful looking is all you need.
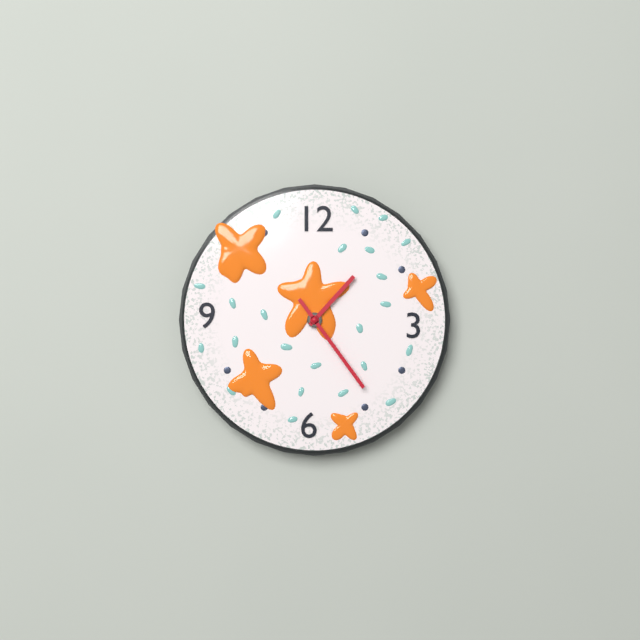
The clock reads 1:24
